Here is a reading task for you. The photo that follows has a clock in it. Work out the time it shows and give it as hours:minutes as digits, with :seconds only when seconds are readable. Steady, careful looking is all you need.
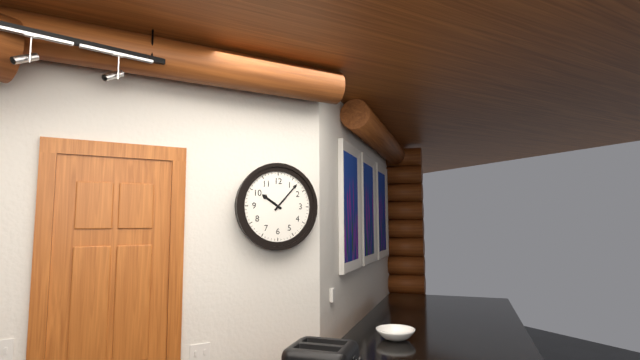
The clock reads 10:07
